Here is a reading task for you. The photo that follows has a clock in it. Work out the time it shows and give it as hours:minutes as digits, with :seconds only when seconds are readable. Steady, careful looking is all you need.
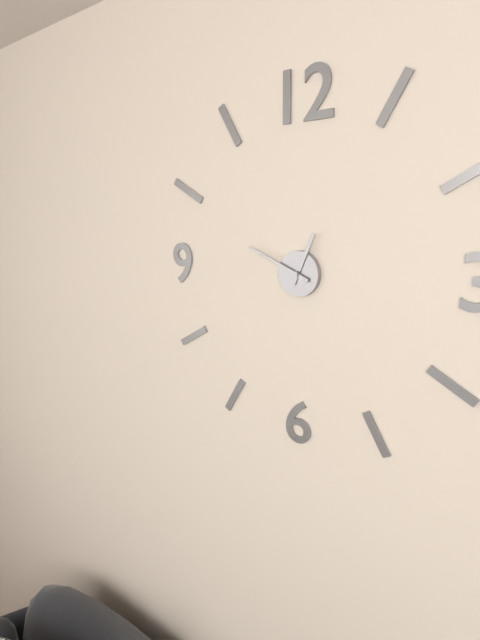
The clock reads 12:49
